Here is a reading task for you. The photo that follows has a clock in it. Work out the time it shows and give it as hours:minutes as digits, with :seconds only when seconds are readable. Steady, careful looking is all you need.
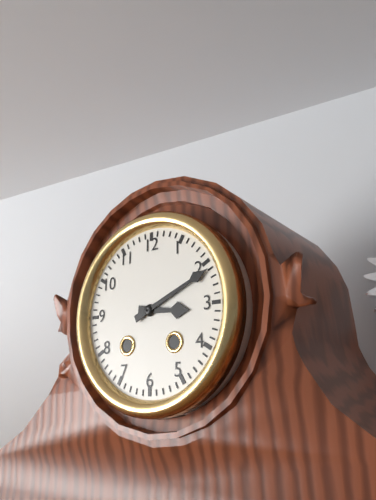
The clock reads 3:11
